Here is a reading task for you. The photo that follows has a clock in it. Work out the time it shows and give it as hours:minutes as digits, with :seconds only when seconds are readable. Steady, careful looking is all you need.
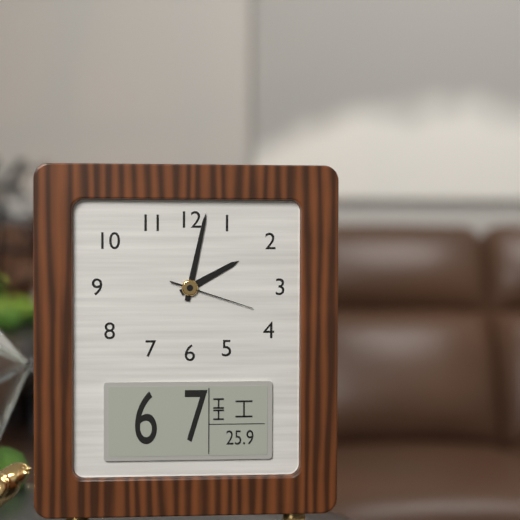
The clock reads 2:02:18
